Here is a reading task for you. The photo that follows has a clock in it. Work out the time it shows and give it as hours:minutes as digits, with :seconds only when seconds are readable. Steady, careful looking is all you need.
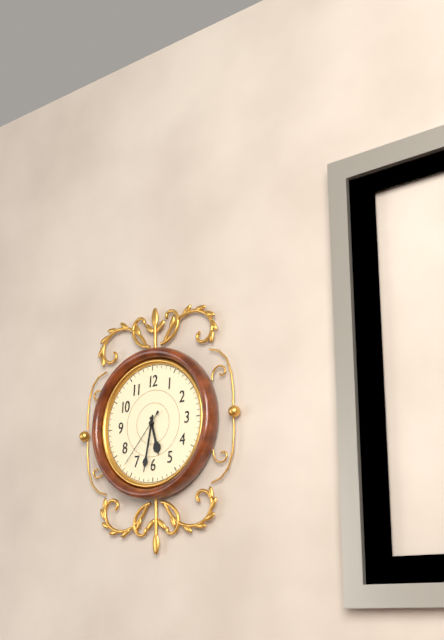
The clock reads 5:32:37
